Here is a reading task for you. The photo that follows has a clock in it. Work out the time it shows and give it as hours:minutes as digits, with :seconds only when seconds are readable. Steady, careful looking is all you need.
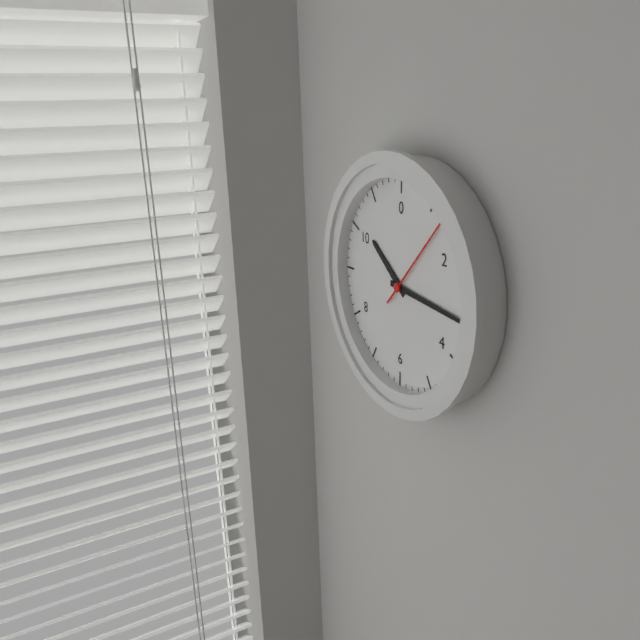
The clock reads 10:16:07
